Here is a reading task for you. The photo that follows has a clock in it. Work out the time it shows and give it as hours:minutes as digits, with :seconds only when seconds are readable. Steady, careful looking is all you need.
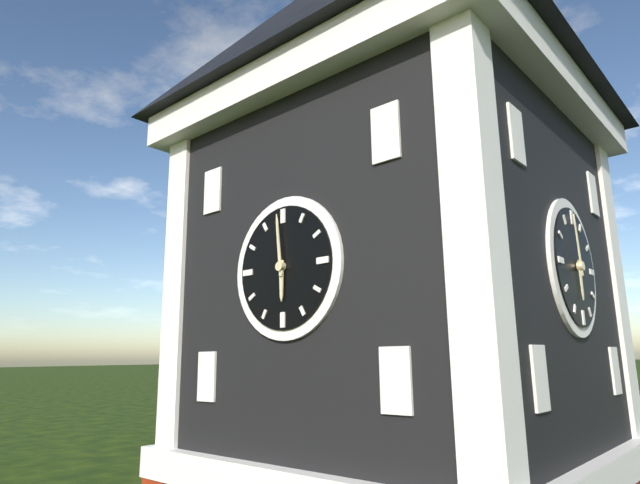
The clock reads 5:59
